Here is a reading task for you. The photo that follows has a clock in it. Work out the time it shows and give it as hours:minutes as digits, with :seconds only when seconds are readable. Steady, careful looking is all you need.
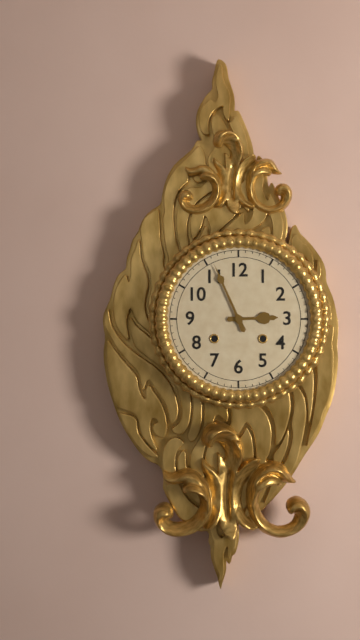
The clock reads 2:56
